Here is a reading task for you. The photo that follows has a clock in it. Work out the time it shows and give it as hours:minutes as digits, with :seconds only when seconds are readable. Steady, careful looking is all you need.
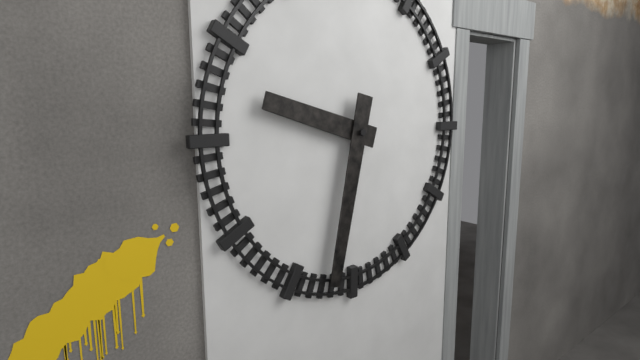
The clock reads 9:32
